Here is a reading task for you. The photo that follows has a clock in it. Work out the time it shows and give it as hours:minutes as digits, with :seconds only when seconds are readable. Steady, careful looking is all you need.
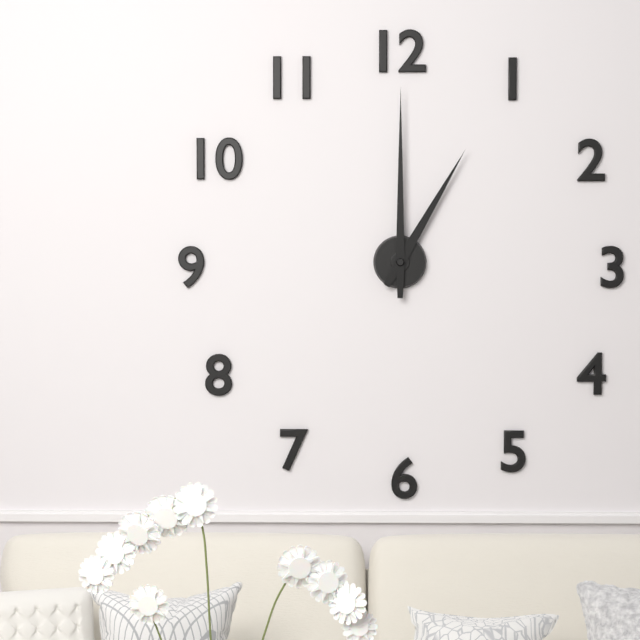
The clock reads 1:00
